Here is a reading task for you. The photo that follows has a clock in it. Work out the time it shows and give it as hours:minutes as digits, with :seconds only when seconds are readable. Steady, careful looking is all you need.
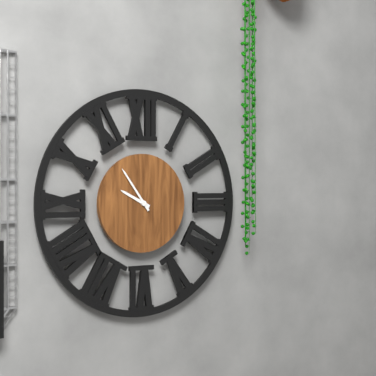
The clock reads 9:54
